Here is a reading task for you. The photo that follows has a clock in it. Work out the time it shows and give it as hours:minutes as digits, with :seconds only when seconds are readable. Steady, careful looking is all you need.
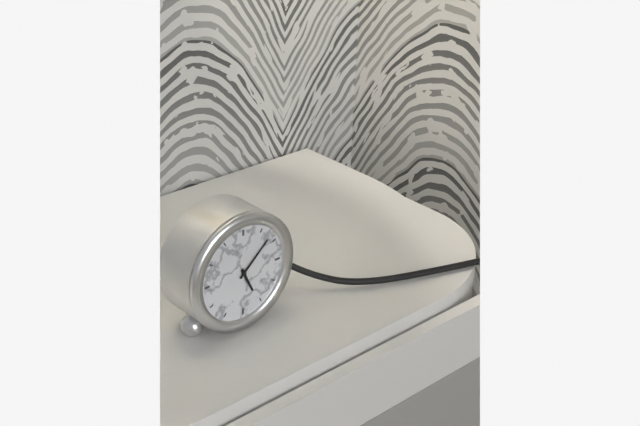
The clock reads 5:08
